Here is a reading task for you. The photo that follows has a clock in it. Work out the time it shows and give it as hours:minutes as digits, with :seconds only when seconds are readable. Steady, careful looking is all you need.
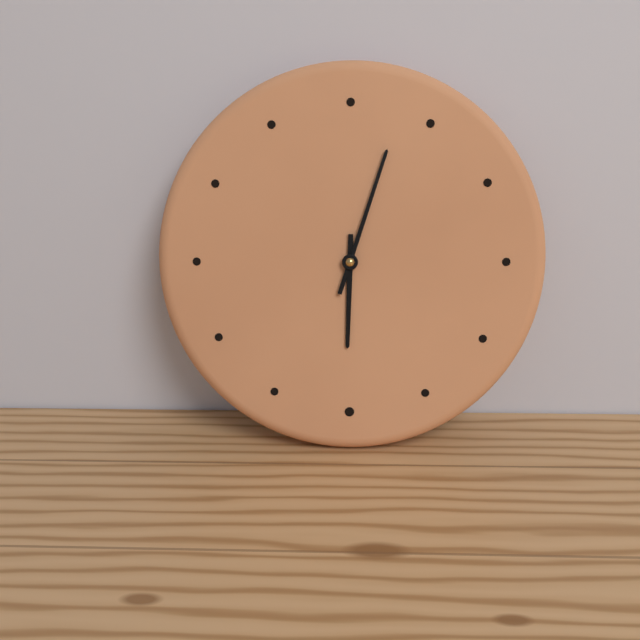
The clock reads 6:03
